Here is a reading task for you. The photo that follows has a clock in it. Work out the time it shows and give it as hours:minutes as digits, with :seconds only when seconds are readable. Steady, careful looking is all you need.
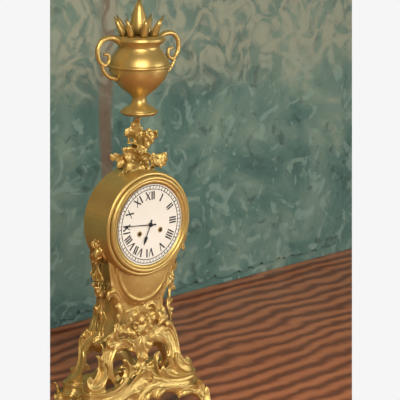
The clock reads 6:46
